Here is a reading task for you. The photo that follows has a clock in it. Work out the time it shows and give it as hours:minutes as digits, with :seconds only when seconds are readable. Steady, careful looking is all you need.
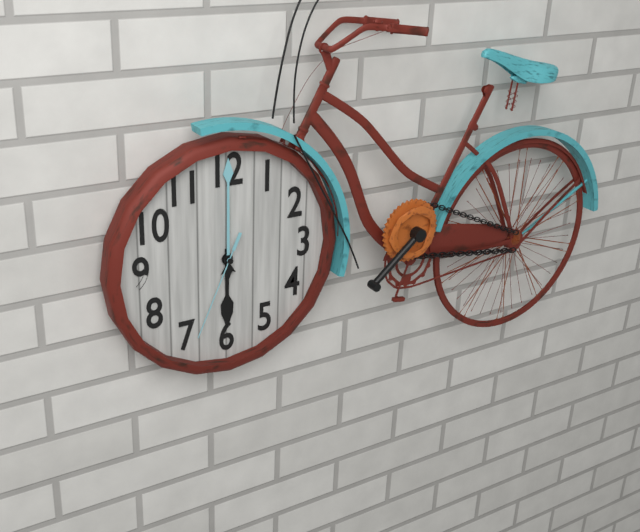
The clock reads 6:00:34
